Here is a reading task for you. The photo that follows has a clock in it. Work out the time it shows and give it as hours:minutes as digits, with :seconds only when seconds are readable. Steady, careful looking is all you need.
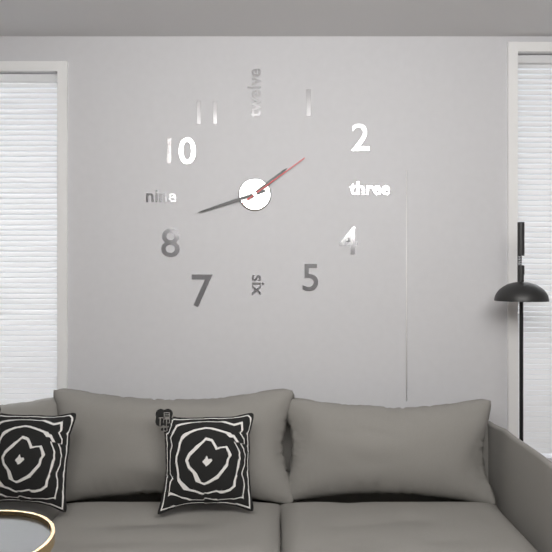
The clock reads 1:42:09
